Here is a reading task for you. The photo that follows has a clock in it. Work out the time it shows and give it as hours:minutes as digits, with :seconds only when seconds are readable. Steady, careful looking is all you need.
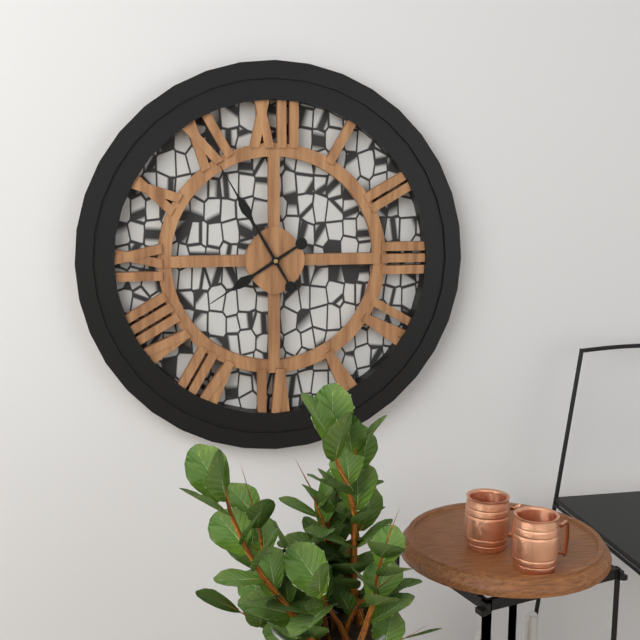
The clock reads 7:55
